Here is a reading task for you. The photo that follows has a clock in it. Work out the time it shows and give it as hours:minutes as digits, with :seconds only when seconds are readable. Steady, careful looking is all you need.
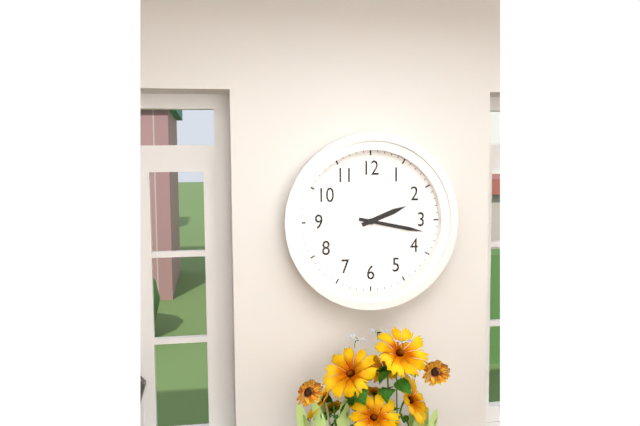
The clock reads 2:17
